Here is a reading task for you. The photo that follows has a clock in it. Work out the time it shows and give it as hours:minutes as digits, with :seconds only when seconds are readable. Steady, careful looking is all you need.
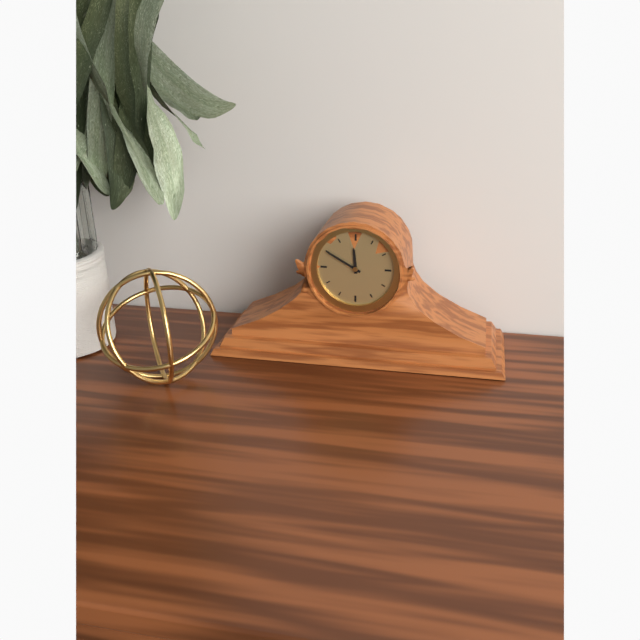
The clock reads 11:50
